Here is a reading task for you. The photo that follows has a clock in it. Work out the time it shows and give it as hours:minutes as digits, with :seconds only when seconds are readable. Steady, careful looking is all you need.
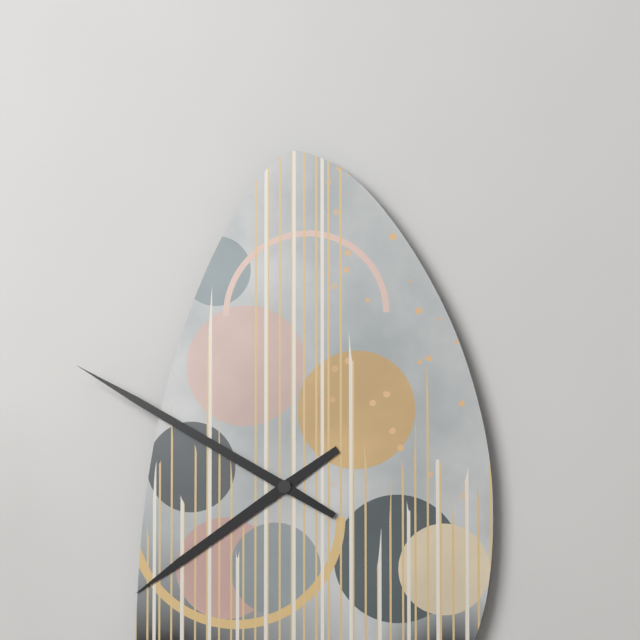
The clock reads 7:50
